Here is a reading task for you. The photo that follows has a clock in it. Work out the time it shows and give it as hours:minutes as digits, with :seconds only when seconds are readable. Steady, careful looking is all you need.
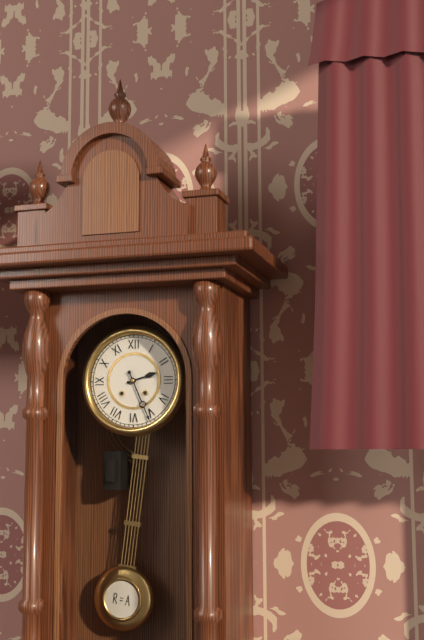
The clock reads 2:26
